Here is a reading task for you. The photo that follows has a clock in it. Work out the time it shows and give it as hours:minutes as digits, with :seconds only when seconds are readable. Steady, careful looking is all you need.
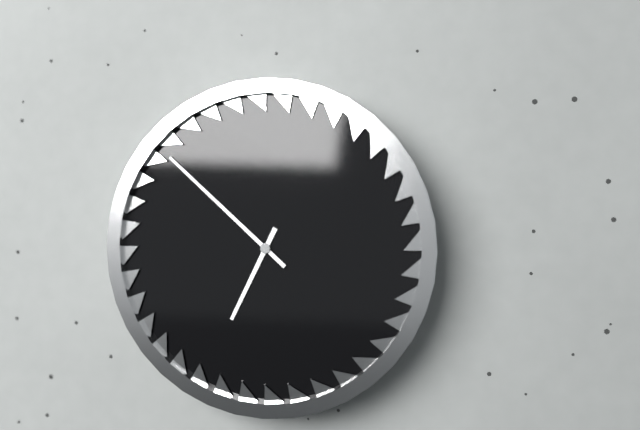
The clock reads 6:52
